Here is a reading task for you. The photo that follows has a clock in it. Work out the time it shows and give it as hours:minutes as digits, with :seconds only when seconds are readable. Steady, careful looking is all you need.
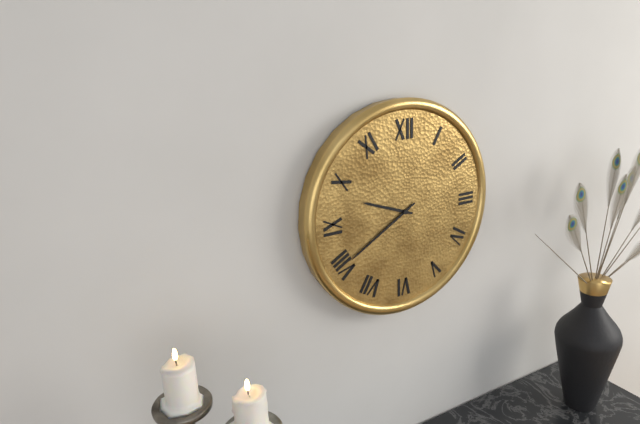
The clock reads 9:40
